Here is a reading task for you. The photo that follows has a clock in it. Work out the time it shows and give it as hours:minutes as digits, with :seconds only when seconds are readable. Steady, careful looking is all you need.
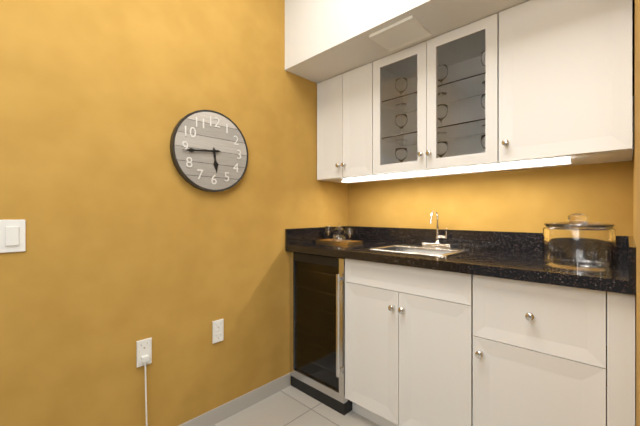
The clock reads 5:44
